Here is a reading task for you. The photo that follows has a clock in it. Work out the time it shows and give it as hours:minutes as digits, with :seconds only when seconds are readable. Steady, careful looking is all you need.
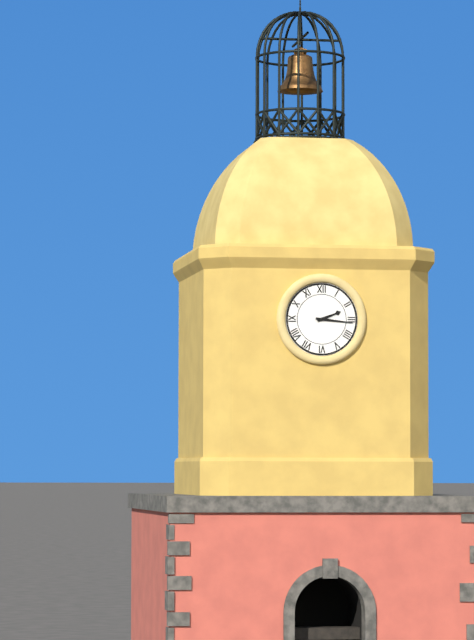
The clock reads 2:16
